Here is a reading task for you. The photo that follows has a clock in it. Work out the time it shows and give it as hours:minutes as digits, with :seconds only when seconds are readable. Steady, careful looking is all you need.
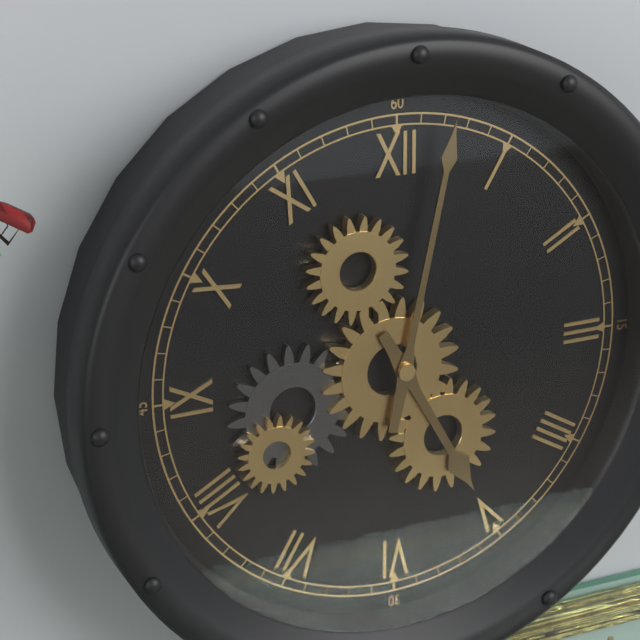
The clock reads 5:02
